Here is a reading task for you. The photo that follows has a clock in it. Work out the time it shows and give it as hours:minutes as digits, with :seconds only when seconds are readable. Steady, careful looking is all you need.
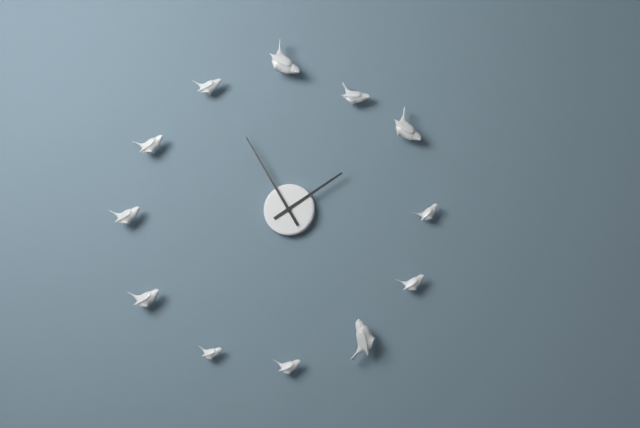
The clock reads 1:55
